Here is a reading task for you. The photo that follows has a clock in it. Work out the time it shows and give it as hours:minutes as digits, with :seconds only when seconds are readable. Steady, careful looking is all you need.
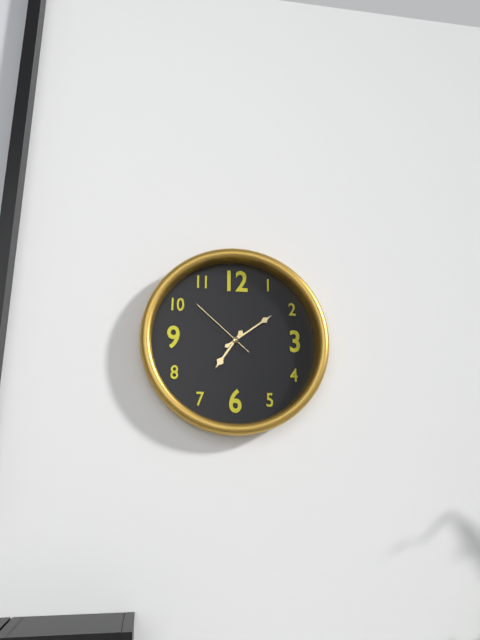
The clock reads 7:09:52
